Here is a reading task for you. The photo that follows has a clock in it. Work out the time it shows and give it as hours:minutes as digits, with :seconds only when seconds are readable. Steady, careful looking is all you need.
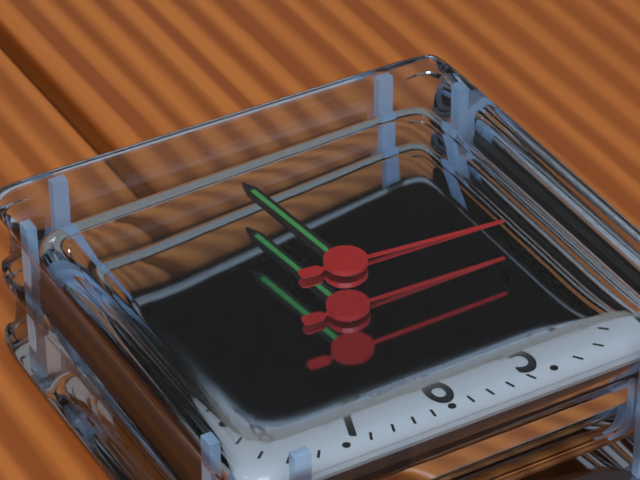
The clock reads 6:59:16
